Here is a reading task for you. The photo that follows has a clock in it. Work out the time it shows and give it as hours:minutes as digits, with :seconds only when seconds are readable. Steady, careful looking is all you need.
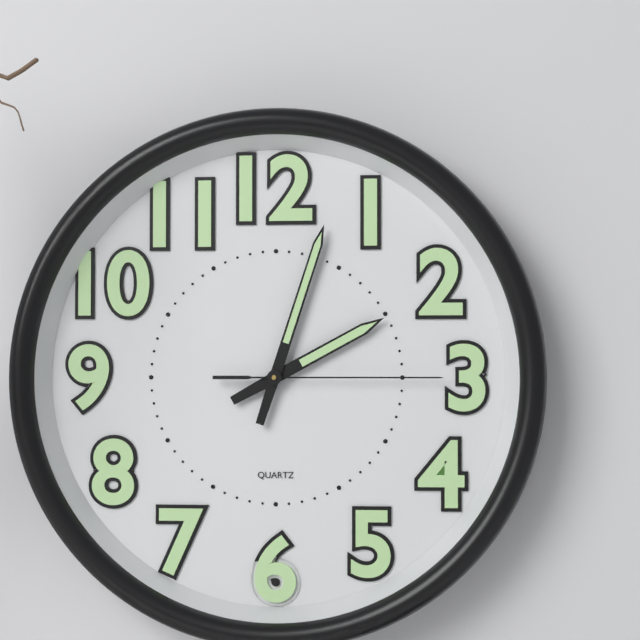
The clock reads 2:03:15
